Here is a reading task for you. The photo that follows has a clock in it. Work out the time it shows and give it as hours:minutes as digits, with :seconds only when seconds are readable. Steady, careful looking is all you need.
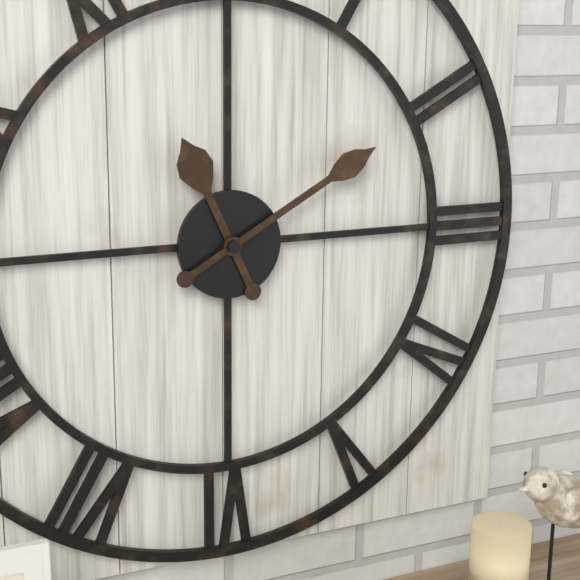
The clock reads 11:10
